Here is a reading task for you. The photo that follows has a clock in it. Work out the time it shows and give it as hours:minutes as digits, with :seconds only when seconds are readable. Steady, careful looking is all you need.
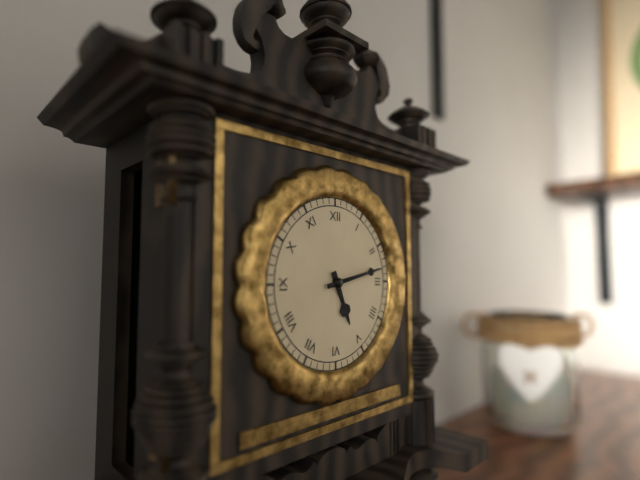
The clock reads 5:13
